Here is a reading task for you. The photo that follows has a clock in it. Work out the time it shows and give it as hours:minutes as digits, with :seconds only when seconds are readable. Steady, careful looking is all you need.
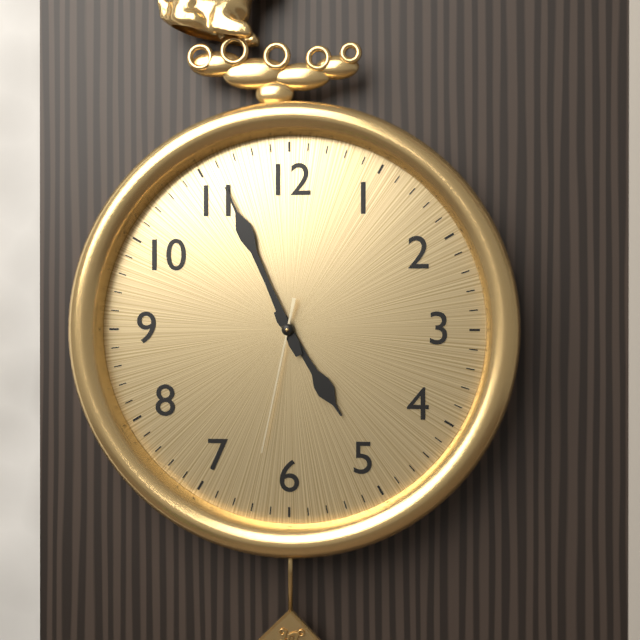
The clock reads 4:56:32
